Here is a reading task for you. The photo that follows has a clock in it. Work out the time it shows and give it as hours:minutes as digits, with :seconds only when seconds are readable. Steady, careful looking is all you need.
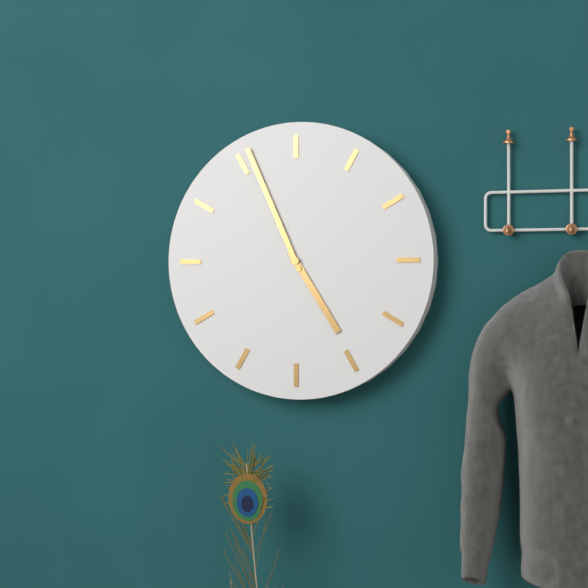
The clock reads 4:56
